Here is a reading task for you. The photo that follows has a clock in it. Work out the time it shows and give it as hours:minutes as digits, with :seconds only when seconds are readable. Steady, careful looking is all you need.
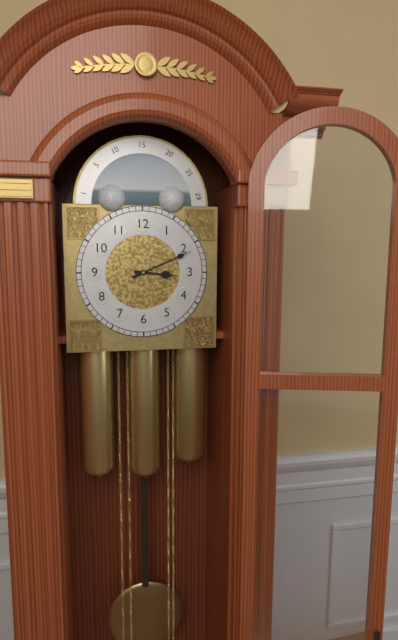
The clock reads 3:11
